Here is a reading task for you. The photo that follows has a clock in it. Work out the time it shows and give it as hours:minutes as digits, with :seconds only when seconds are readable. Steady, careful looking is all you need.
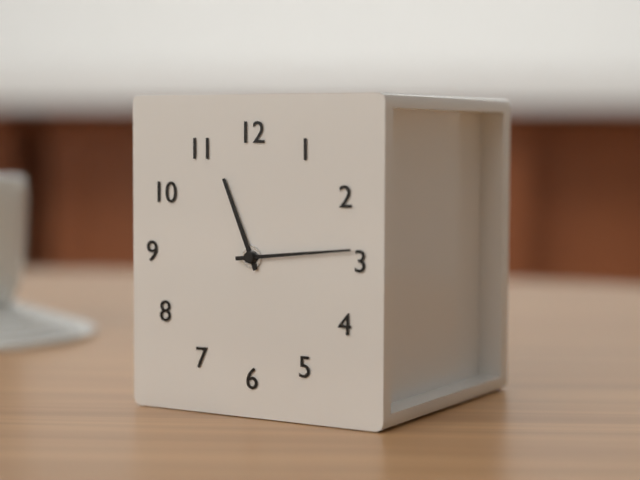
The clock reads 11:14
